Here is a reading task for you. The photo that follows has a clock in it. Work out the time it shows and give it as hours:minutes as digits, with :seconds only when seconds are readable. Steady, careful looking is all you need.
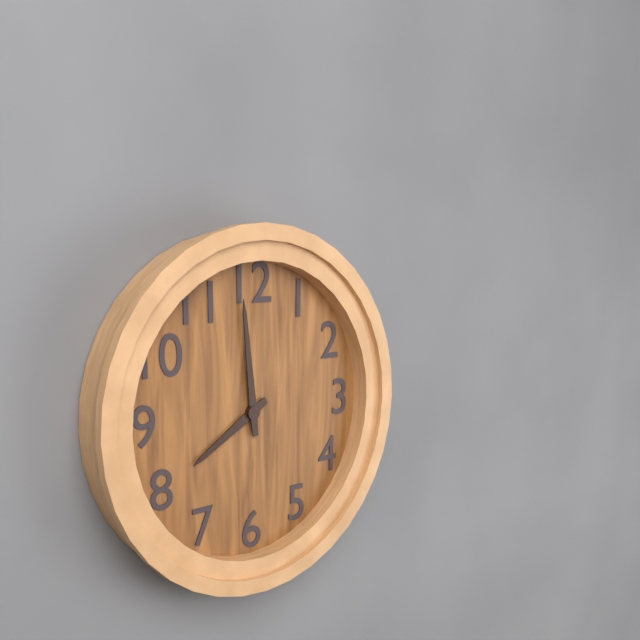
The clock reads 7:59
